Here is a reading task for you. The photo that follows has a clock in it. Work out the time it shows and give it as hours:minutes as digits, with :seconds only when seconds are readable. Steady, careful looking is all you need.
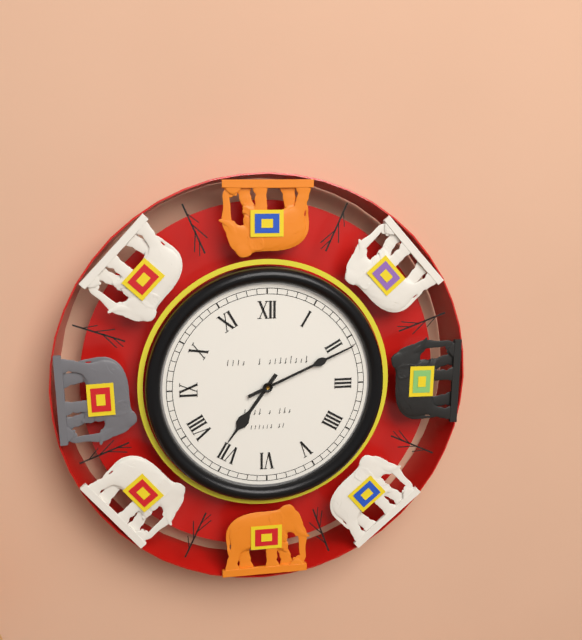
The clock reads 7:11
